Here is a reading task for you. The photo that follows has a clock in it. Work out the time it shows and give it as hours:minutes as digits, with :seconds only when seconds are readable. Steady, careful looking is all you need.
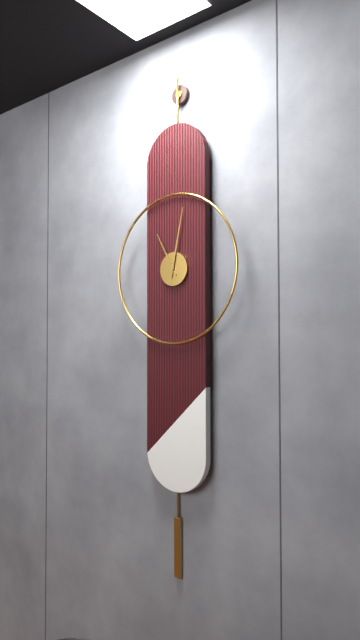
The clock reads 11:02
